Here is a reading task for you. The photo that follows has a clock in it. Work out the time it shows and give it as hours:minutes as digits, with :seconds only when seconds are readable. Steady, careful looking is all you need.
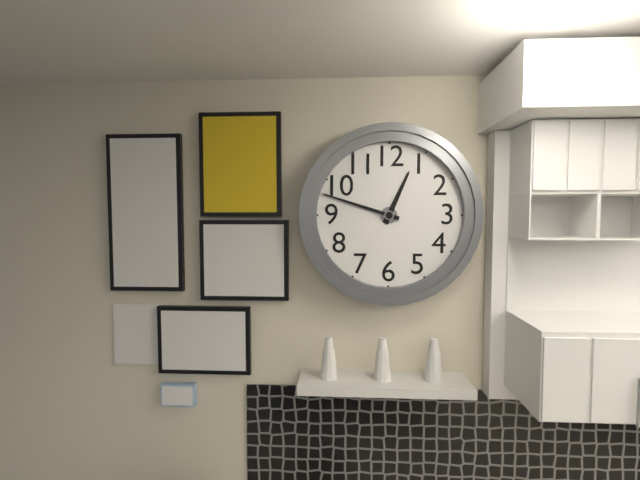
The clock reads 12:48
